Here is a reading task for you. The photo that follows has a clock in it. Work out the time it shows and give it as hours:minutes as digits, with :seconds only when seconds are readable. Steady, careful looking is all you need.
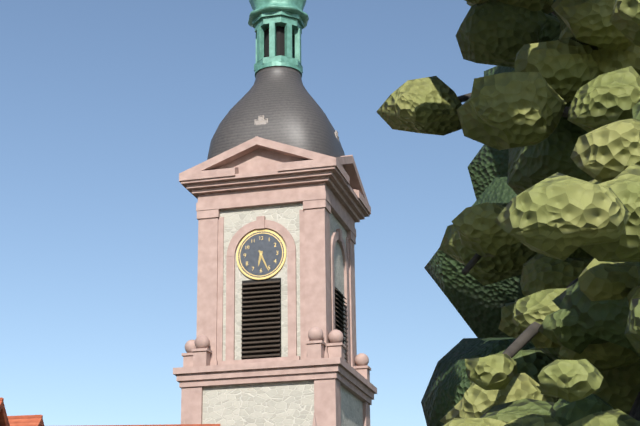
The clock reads 6:26
